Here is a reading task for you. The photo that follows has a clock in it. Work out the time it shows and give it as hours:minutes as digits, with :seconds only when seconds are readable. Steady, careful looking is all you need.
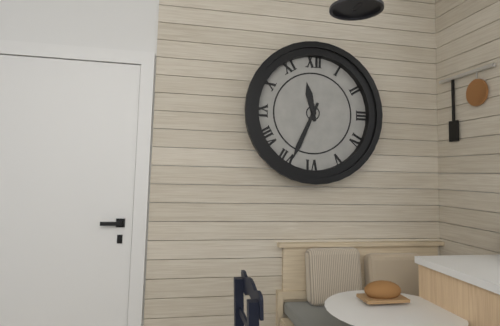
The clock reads 11:34
